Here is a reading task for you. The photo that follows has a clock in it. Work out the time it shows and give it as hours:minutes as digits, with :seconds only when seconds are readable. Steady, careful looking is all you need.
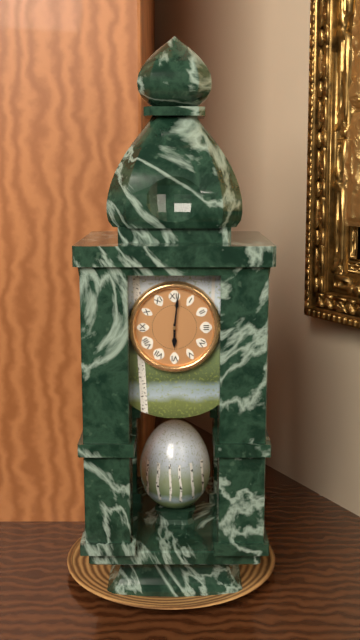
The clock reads 6:01
